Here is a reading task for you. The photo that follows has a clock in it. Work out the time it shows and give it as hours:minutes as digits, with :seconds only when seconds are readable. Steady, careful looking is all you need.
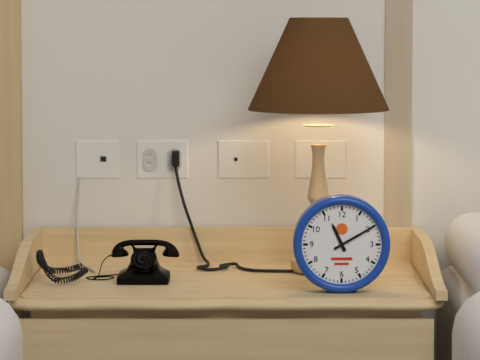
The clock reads 11:10
